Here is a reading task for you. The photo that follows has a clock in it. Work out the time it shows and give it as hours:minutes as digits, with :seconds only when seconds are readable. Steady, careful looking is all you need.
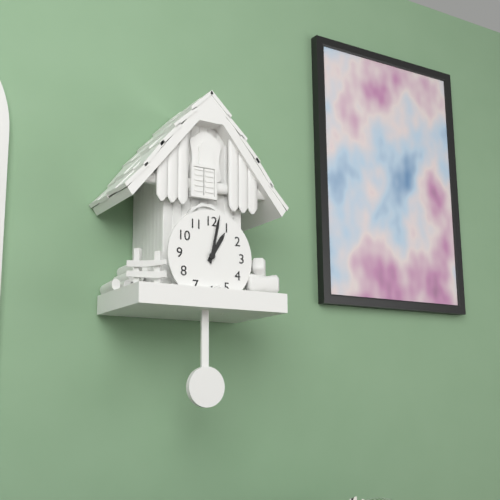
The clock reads 1:02
